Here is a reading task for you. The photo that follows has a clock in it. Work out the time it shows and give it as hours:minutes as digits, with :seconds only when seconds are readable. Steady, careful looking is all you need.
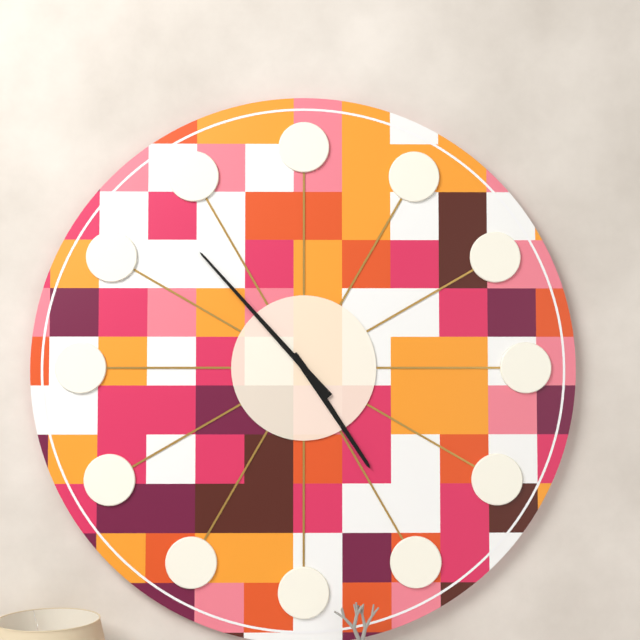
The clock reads 4:53
